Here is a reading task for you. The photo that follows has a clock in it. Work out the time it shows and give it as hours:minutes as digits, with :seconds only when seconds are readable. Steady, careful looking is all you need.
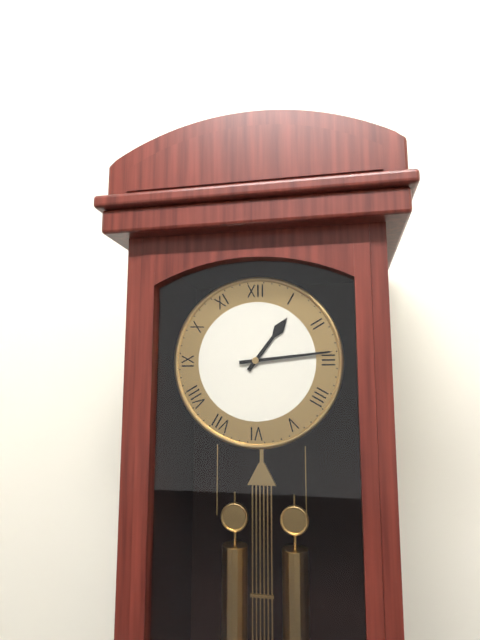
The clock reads 1:14
